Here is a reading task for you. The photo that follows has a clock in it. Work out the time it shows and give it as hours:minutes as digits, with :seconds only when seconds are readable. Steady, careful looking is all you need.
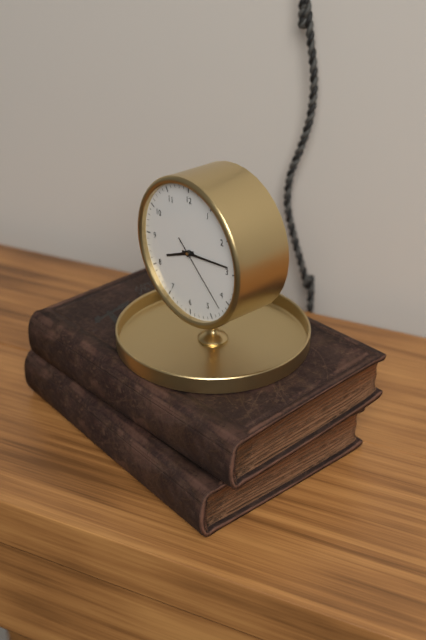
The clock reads 8:14:22
